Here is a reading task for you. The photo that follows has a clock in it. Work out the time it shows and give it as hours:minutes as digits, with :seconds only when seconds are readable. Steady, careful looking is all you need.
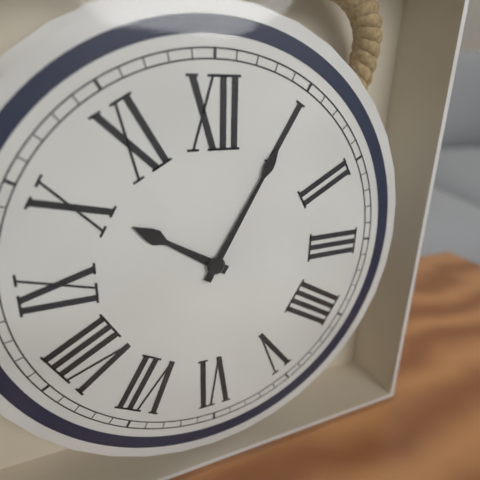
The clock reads 10:05
